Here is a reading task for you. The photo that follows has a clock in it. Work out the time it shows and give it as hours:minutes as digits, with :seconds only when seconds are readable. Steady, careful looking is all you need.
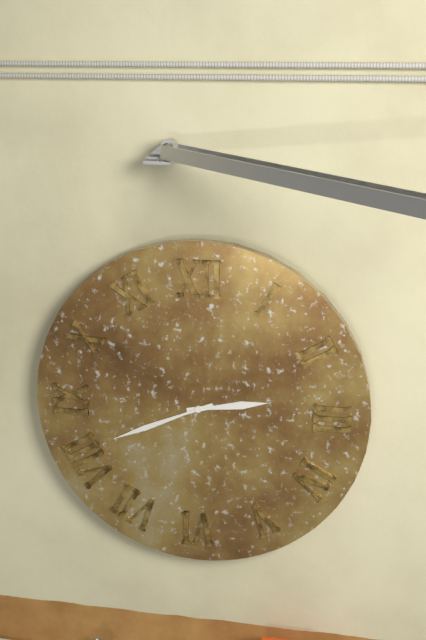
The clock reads 2:41
